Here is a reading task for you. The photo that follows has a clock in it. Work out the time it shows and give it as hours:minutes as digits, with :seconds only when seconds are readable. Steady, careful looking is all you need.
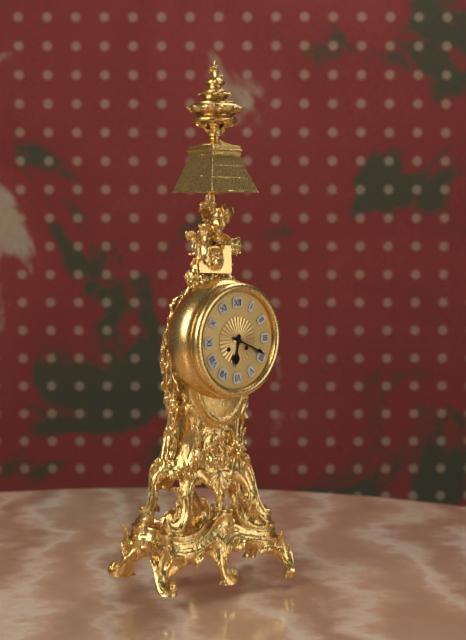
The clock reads 6:19
